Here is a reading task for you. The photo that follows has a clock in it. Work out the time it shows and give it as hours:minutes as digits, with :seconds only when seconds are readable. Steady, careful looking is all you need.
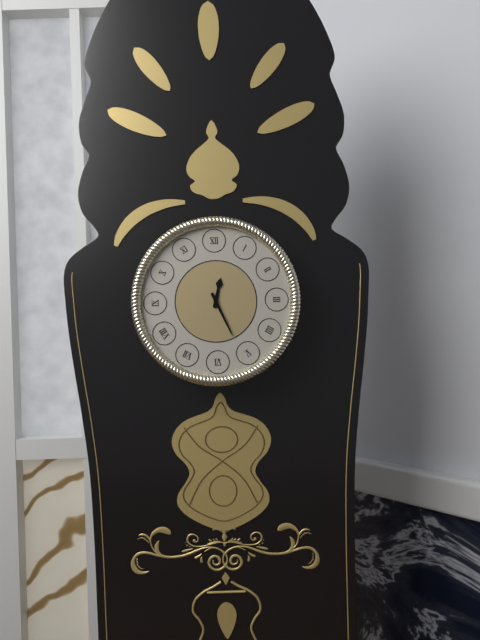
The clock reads 12:26
